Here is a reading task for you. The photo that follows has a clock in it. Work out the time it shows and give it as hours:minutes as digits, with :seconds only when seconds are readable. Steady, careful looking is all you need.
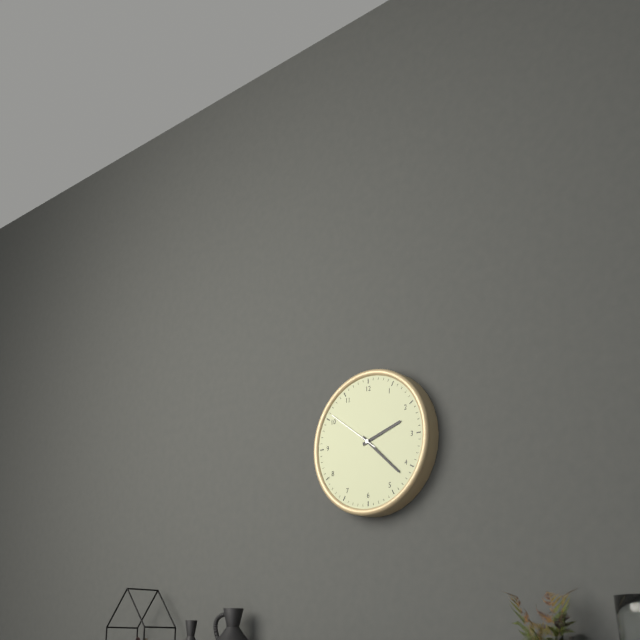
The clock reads 2:22:51
